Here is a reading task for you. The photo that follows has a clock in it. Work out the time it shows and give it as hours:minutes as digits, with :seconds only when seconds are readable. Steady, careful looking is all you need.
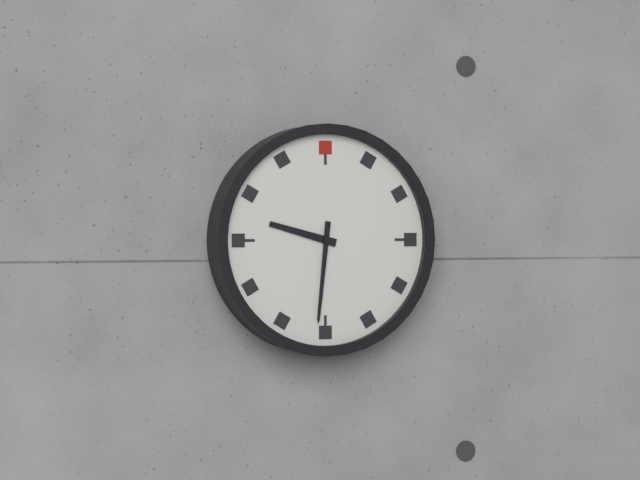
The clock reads 9:31
